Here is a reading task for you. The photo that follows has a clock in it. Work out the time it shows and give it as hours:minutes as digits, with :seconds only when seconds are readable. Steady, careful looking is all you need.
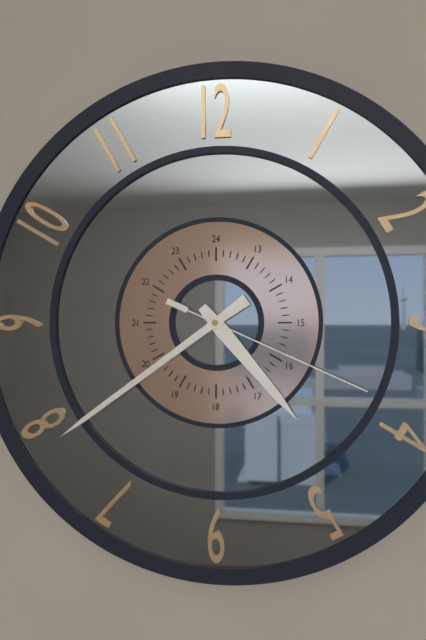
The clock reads 4:39:19
